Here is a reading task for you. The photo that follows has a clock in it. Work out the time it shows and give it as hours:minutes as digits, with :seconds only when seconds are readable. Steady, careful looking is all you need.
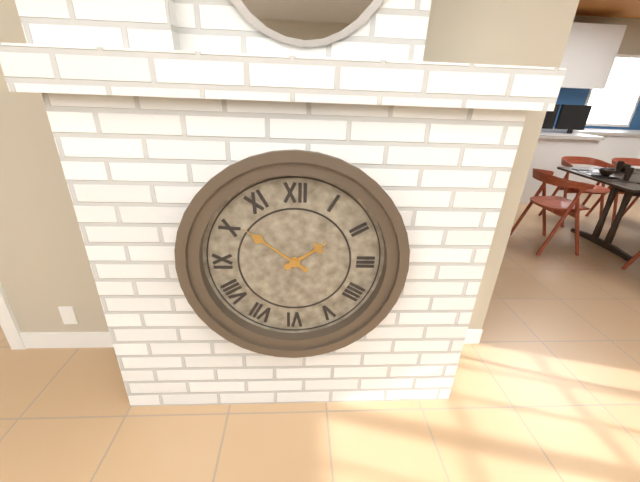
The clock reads 1:51
